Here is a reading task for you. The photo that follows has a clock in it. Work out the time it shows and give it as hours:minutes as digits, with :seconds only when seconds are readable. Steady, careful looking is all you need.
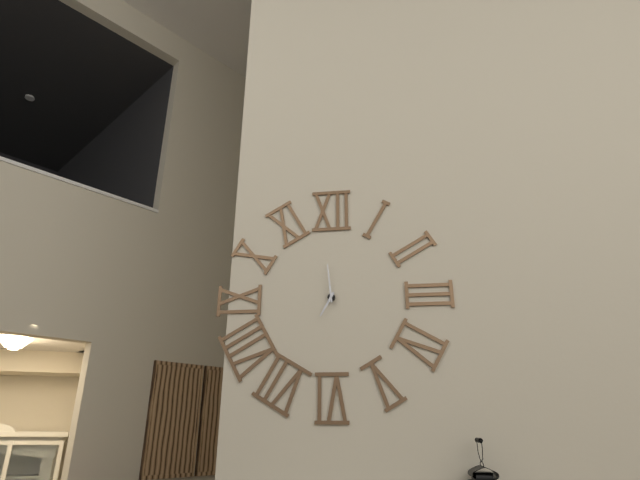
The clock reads 6:59
